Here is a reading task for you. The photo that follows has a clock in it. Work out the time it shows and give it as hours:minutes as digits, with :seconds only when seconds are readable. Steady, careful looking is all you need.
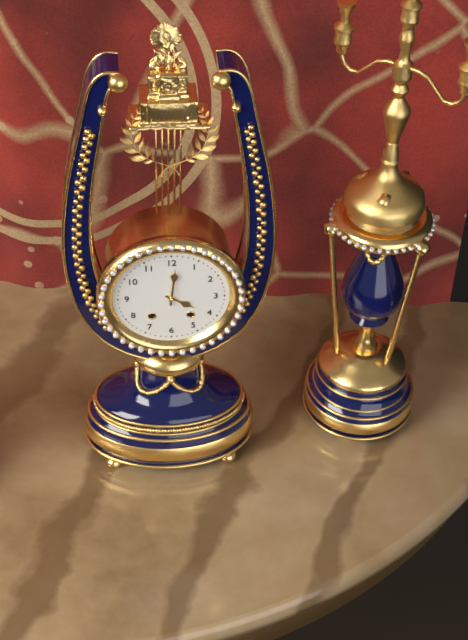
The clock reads 4:01
